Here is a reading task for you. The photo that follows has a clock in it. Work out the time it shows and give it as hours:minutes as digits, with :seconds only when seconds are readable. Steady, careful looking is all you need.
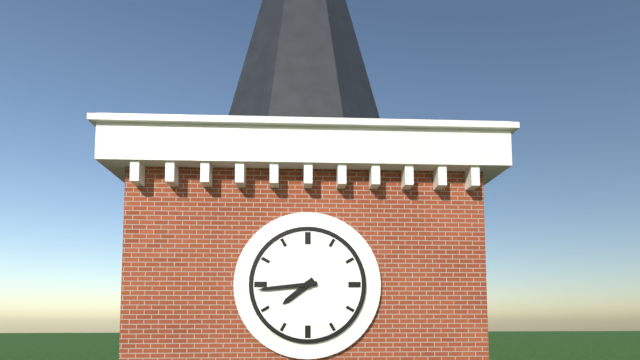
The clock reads 7:44
